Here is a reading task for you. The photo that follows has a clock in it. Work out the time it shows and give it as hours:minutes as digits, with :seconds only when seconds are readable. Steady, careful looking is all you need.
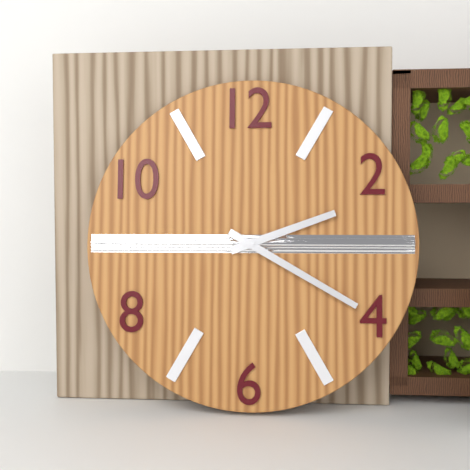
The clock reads 2:20
